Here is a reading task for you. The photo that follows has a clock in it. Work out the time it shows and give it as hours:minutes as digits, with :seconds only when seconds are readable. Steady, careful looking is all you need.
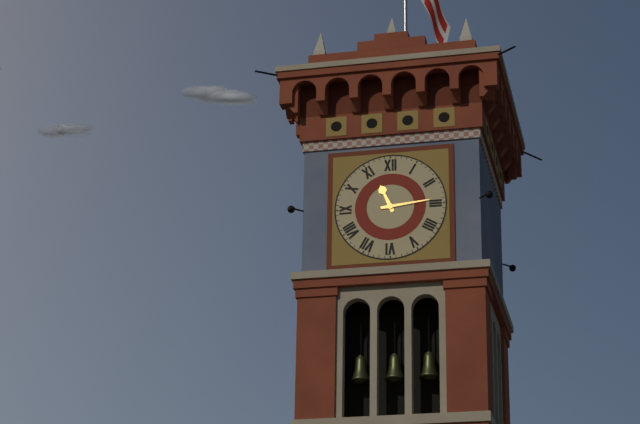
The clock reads 11:14
